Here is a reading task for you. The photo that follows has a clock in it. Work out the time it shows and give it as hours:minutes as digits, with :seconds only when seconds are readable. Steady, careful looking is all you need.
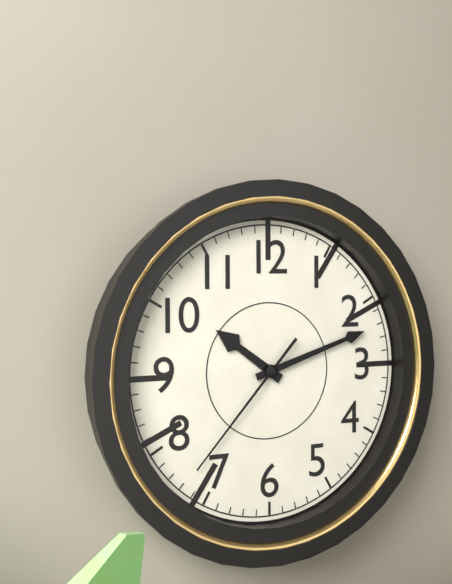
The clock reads 10:12:37
